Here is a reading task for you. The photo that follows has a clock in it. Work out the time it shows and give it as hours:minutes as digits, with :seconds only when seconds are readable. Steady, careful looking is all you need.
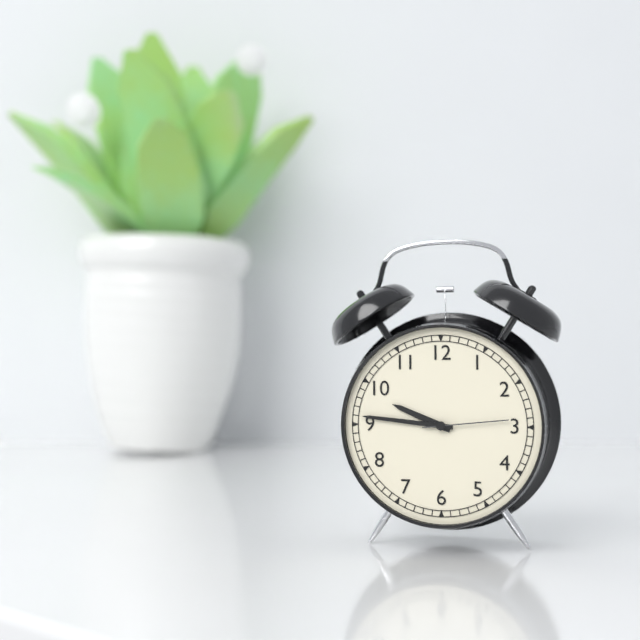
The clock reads 9:46:14
